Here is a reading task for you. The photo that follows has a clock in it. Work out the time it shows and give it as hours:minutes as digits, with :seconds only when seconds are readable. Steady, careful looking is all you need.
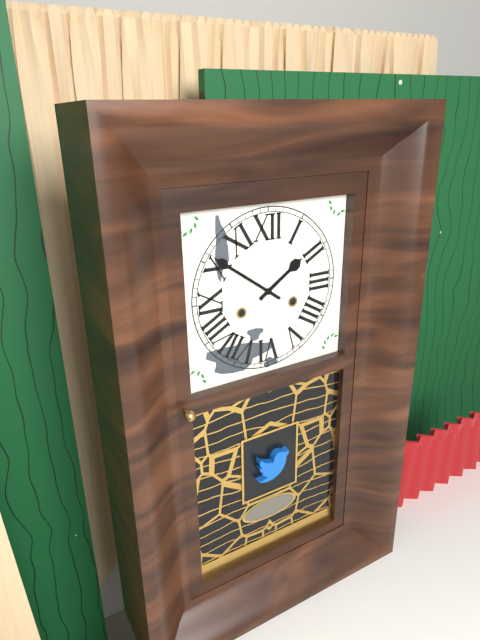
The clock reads 1:51
